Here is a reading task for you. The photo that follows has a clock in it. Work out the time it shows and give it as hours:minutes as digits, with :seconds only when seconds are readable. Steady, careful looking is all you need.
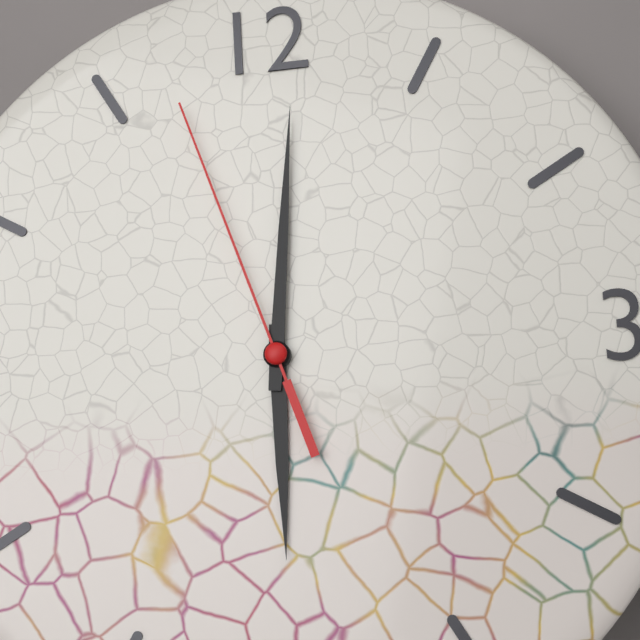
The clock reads 6:01:57
